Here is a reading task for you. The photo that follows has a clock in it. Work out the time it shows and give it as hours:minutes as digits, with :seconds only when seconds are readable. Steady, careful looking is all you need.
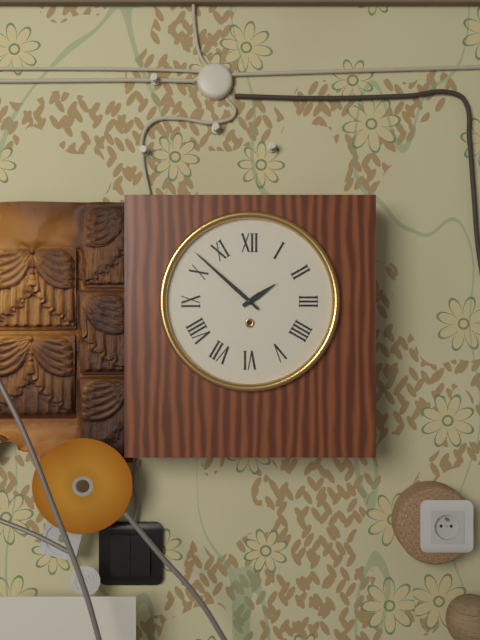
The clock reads 1:52
